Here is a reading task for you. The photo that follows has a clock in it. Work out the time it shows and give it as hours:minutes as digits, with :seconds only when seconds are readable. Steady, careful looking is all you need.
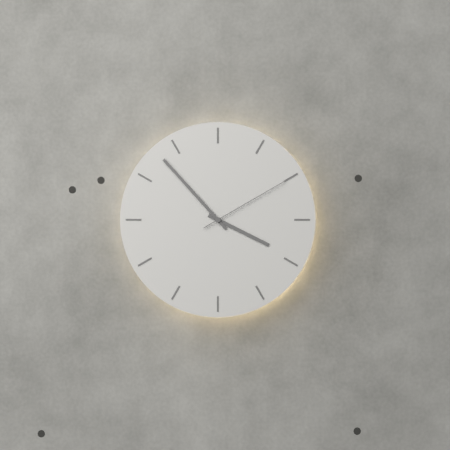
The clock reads 3:53:10
